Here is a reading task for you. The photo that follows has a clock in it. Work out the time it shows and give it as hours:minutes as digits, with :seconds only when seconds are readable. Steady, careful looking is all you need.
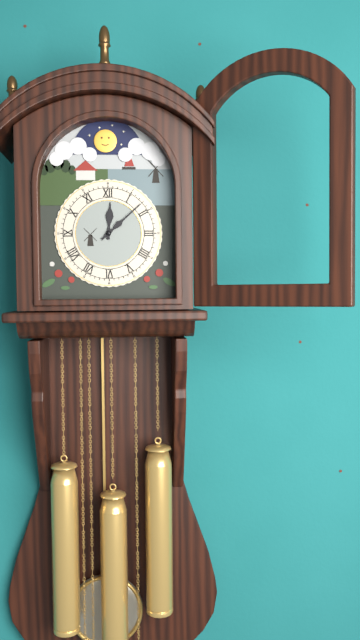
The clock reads 12:08
